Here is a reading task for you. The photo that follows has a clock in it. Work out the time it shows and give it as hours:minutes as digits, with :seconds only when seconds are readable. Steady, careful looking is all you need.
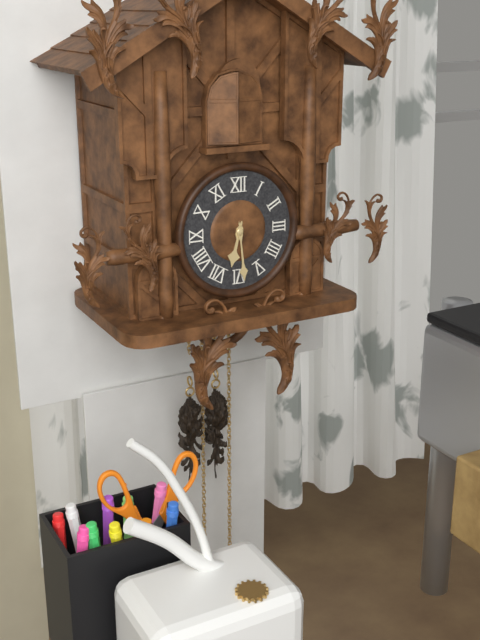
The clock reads 6:29
